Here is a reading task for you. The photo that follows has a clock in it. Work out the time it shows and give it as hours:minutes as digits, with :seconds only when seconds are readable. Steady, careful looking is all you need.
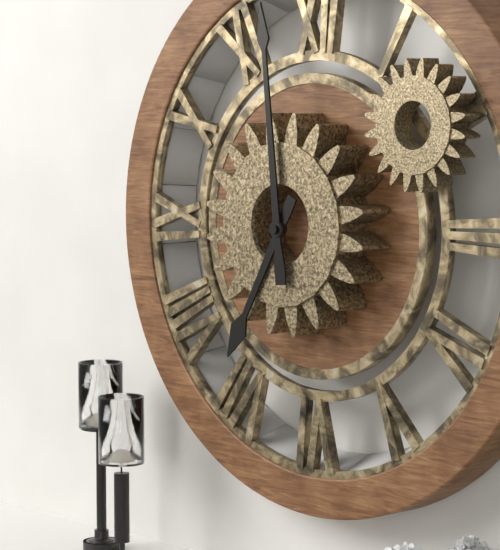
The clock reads 6:59
